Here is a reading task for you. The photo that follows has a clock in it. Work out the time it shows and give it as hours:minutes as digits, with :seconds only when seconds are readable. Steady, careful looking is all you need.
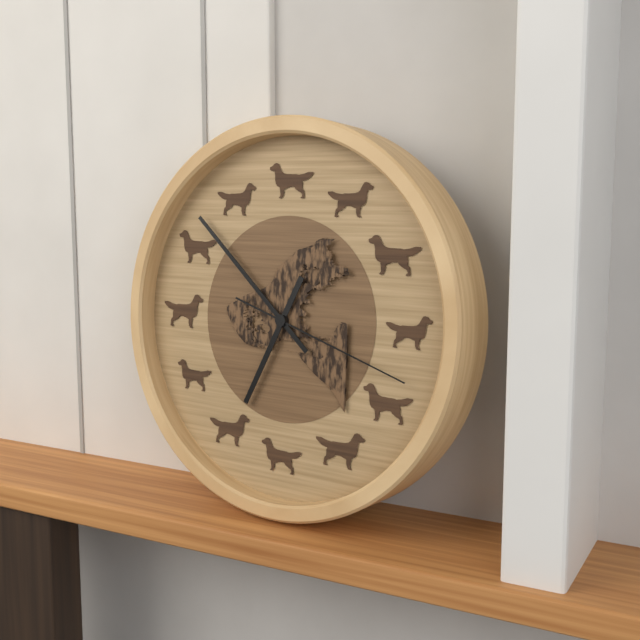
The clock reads 6:52:18
